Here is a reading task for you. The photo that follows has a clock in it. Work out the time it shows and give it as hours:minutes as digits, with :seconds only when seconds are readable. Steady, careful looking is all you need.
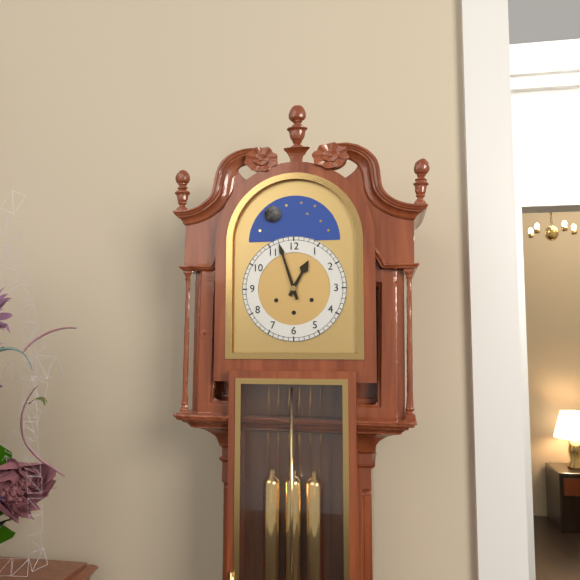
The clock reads 12:57
